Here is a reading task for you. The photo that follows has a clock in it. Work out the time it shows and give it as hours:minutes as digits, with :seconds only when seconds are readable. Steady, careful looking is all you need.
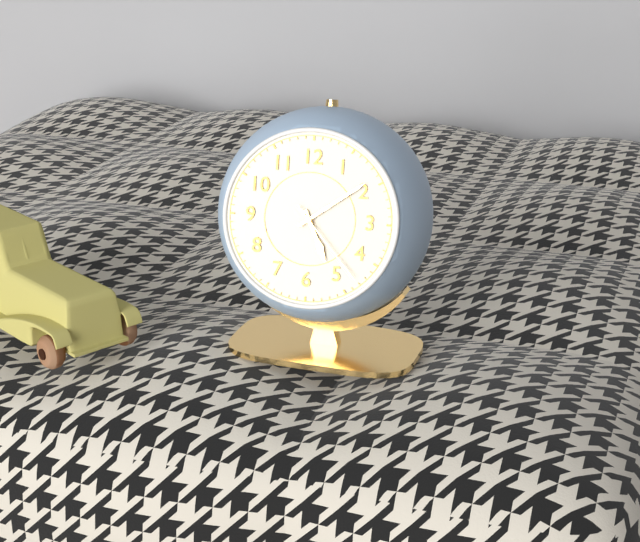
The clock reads 5:09:23
